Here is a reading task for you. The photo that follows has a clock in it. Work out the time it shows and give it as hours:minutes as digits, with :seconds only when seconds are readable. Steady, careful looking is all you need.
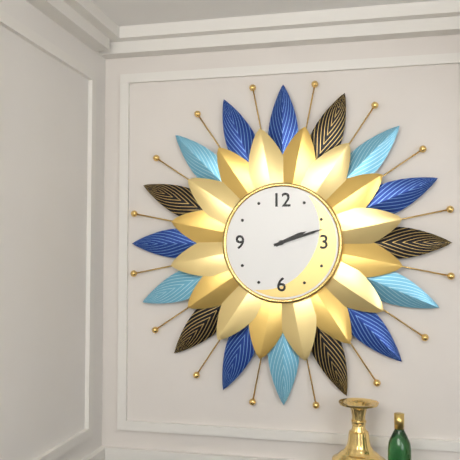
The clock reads 2:12
